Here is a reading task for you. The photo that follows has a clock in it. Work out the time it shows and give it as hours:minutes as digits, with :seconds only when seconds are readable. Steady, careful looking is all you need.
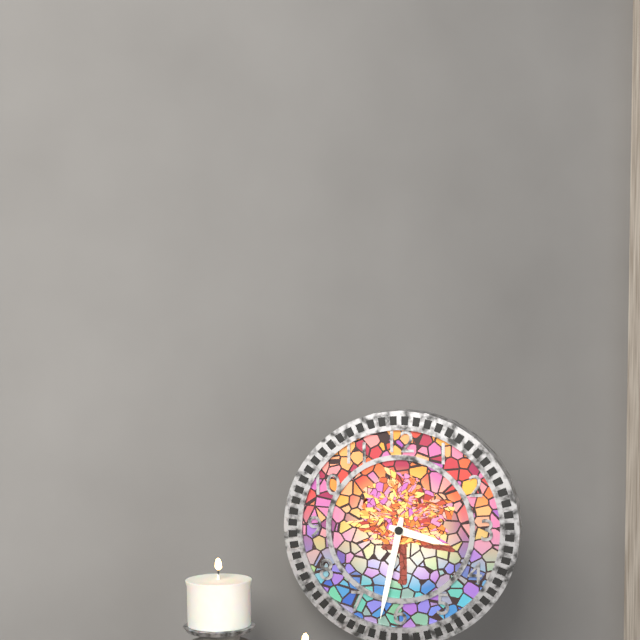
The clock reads 3:32
